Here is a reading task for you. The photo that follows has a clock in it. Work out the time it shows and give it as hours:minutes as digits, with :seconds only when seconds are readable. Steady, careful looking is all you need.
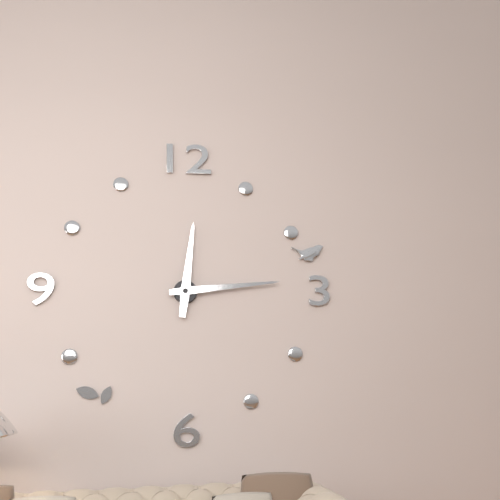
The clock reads 12:14
